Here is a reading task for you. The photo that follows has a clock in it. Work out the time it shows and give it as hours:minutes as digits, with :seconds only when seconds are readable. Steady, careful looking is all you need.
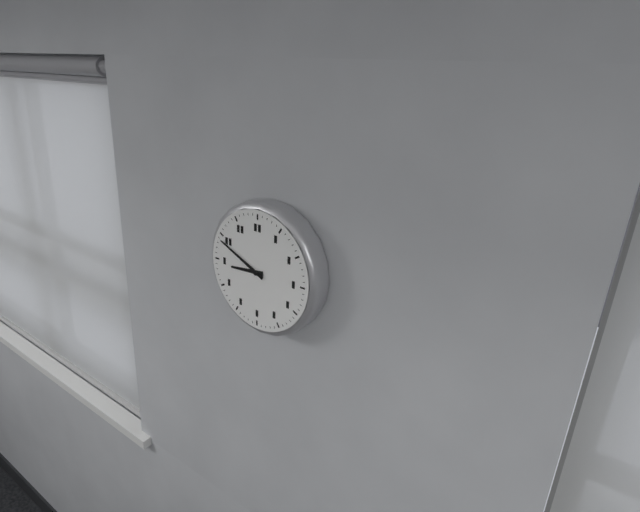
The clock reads 8:49
